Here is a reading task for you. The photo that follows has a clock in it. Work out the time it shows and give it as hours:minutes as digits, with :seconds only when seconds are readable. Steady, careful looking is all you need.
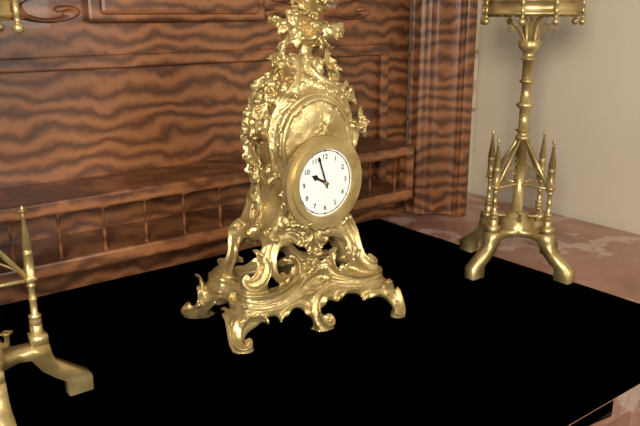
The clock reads 9:57
